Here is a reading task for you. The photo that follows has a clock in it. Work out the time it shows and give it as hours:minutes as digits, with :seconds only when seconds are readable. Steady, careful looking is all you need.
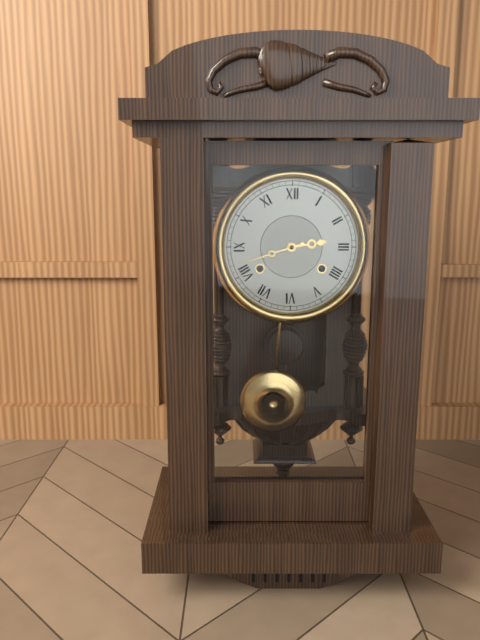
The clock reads 2:42
